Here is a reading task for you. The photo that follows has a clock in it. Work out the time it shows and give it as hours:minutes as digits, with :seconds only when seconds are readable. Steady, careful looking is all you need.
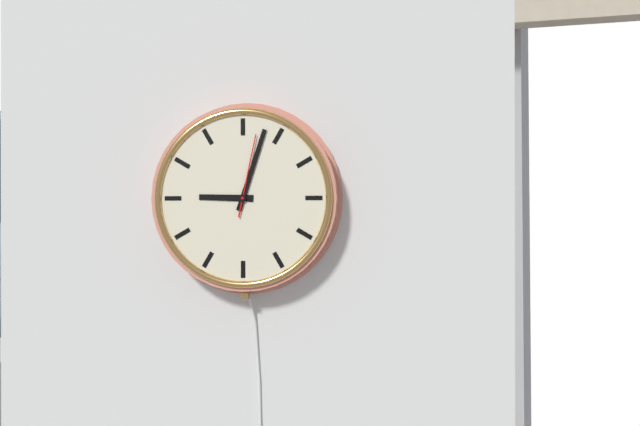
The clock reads 9:03:02
